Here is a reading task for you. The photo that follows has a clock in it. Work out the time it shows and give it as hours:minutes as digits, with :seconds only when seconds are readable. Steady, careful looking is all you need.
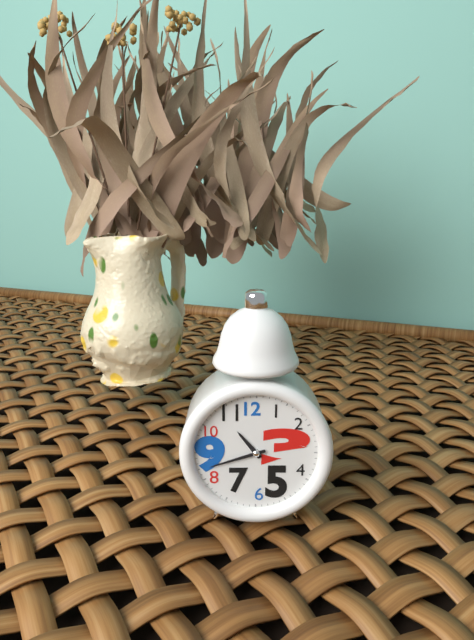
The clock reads 10:42
